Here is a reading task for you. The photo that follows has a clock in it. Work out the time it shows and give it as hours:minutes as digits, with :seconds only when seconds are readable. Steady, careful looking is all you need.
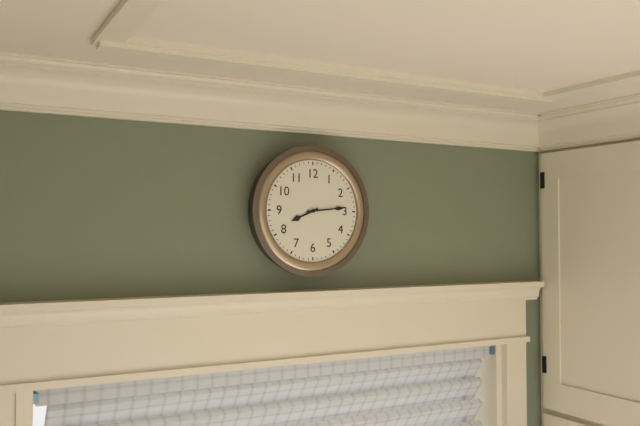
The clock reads 8:14
